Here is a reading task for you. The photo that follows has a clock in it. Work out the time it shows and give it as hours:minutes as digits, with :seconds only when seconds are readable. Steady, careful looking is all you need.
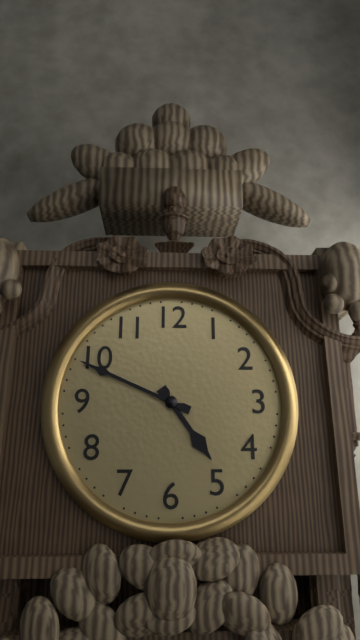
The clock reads 4:49
